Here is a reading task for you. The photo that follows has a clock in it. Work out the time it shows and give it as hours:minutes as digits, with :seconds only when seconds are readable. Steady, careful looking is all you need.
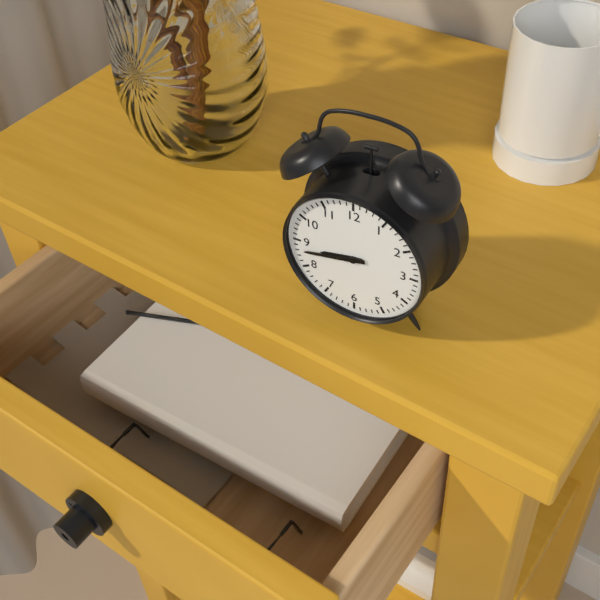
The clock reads 8:43
